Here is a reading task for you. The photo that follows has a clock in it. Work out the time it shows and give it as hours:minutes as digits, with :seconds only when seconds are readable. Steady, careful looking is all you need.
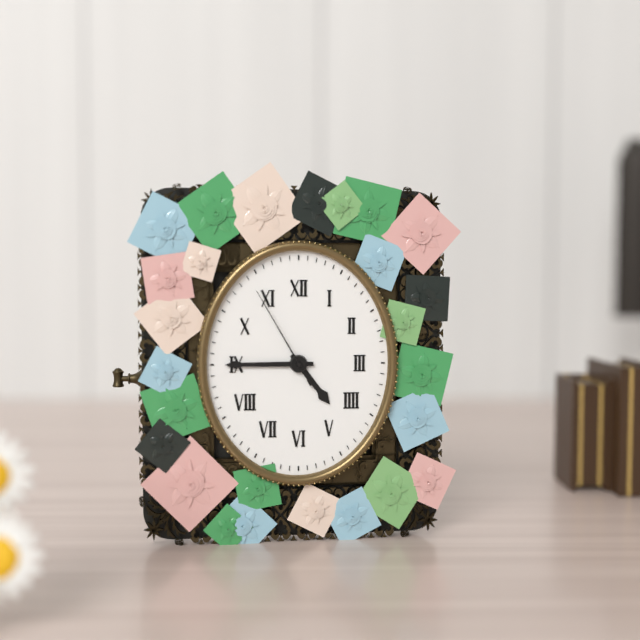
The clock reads 4:45:55
